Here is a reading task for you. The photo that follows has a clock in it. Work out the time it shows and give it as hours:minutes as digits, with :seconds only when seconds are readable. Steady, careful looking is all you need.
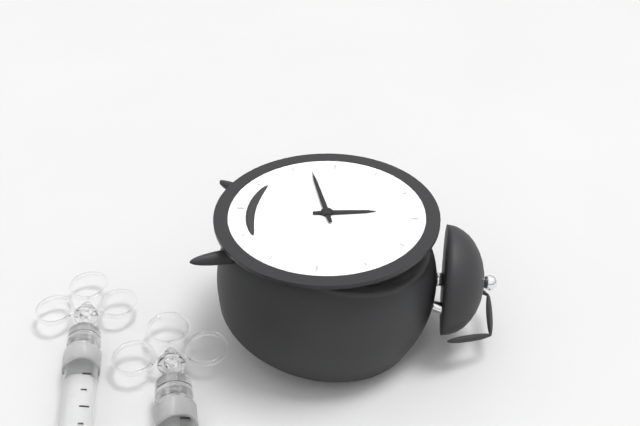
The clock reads 11:42
